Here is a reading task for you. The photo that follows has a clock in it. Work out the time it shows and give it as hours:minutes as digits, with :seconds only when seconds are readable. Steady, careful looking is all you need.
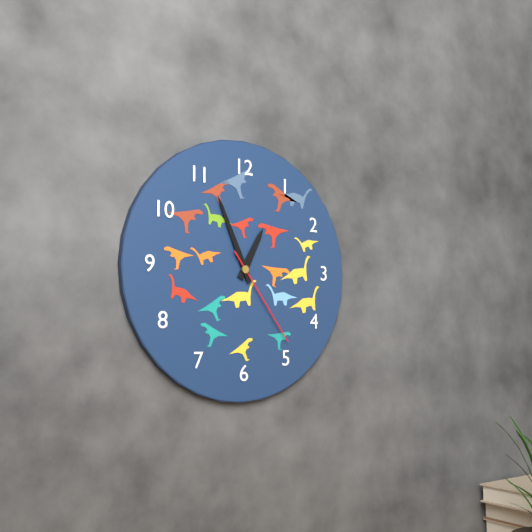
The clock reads 12:56:24
